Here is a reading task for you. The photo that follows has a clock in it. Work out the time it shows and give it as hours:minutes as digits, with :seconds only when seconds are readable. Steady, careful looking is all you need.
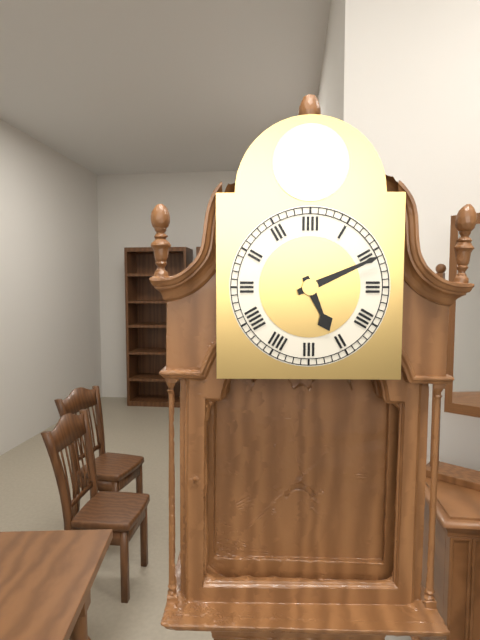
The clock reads 5:11
